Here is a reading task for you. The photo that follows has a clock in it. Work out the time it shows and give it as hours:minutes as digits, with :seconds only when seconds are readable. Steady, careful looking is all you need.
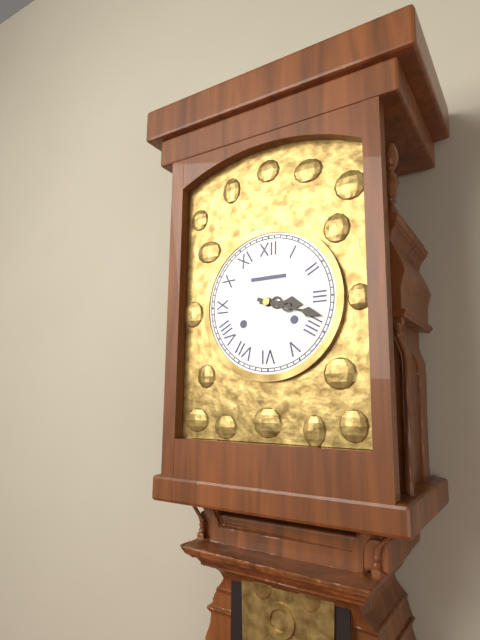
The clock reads 3:18
